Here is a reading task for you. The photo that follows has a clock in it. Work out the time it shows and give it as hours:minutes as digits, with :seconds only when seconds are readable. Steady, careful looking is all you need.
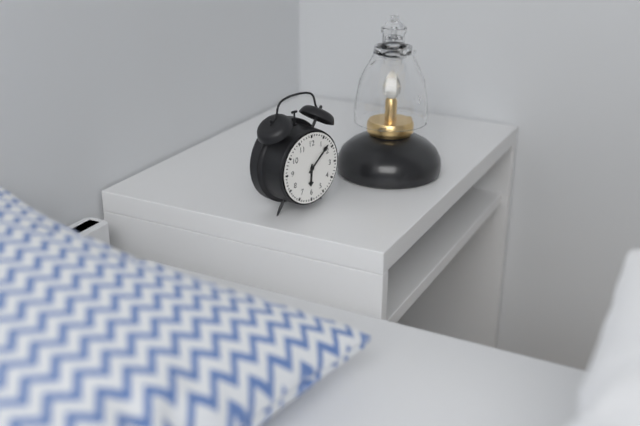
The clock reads 6:08
